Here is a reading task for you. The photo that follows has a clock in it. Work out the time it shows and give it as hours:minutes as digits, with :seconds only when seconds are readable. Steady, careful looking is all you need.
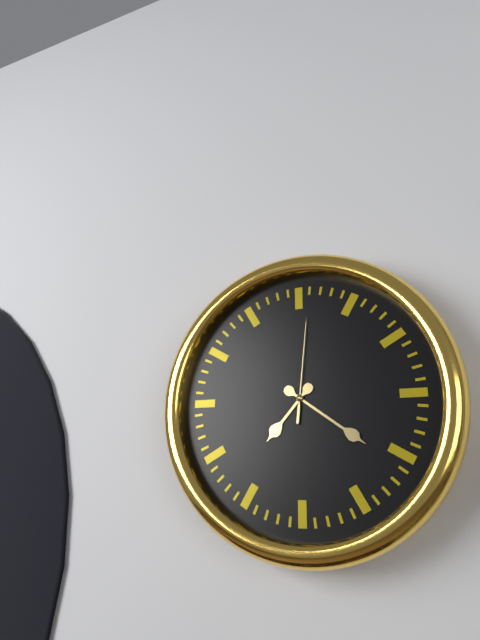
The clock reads 7:21:01
